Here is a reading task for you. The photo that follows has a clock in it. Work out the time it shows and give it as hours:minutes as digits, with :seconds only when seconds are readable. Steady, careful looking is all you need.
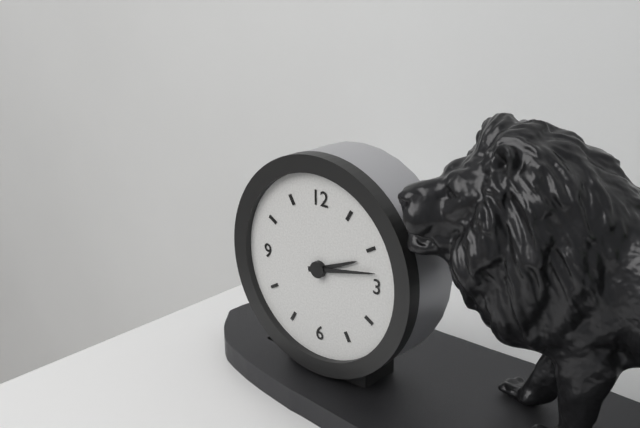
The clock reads 2:13
